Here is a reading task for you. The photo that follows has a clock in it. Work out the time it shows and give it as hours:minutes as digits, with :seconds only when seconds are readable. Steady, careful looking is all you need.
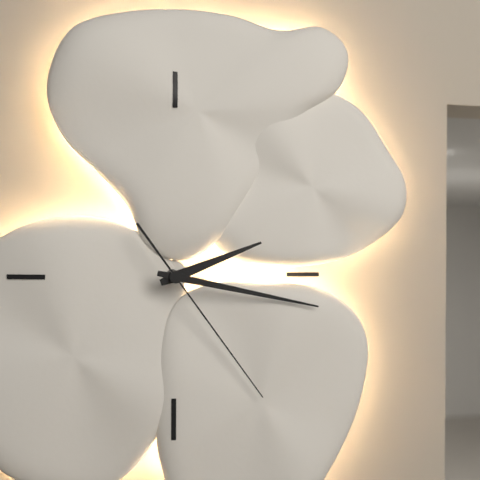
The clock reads 2:17:24
